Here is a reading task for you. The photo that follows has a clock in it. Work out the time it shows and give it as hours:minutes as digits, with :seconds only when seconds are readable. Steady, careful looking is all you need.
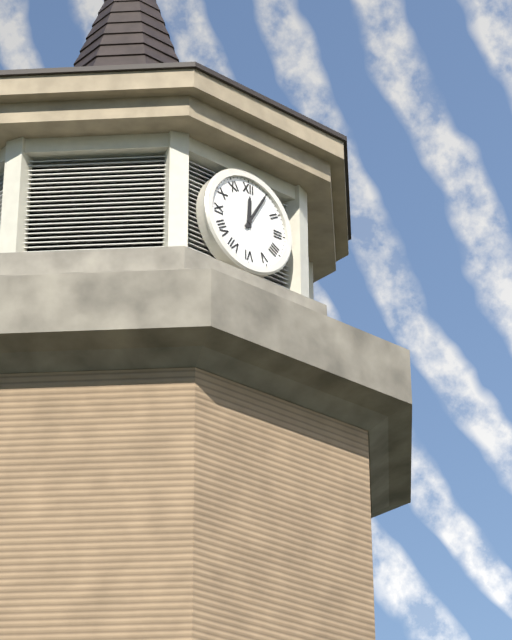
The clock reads 12:05
